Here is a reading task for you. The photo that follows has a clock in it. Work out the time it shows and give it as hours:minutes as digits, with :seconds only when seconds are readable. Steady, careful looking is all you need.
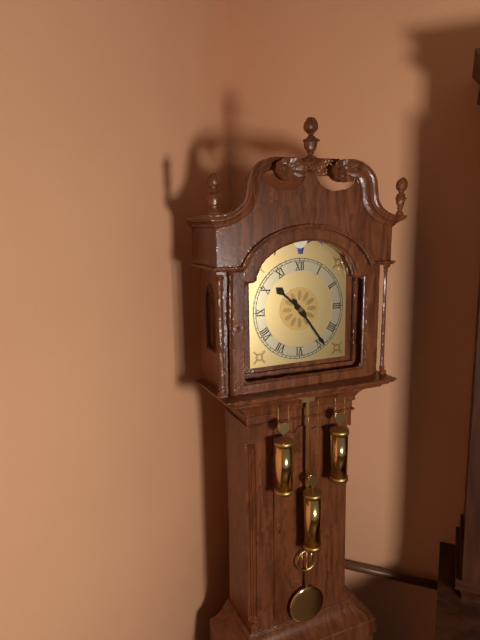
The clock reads 10:24
